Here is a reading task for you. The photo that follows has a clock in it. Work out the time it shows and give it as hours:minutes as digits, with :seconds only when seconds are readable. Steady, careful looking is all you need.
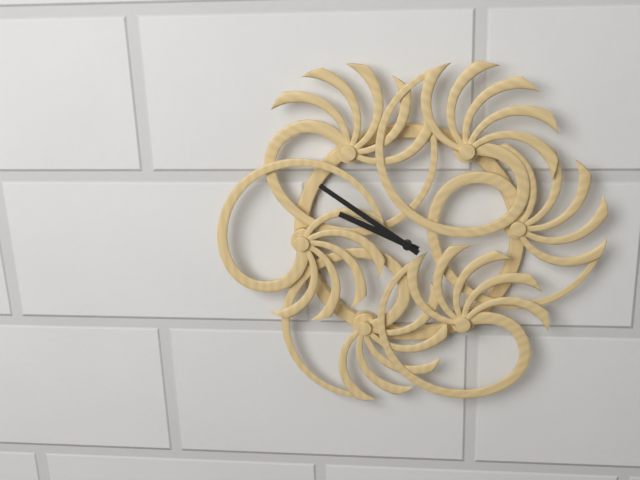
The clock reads 9:51
